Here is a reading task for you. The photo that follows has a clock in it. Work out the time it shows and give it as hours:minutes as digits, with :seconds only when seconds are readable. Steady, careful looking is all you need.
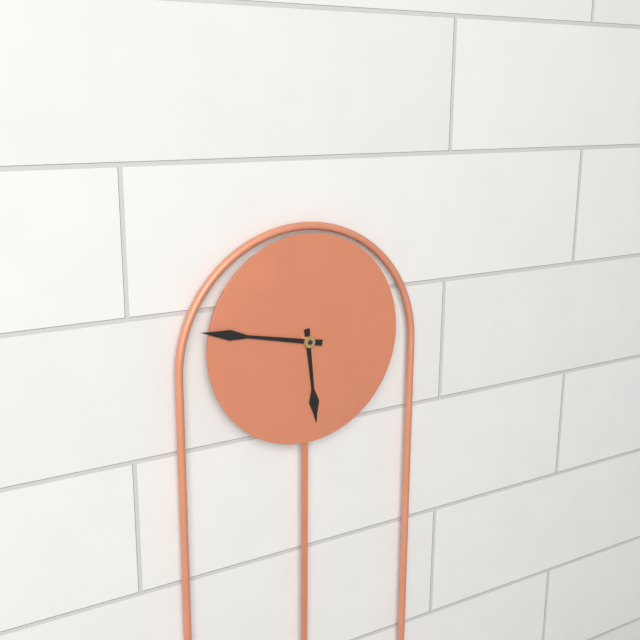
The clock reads 5:47
